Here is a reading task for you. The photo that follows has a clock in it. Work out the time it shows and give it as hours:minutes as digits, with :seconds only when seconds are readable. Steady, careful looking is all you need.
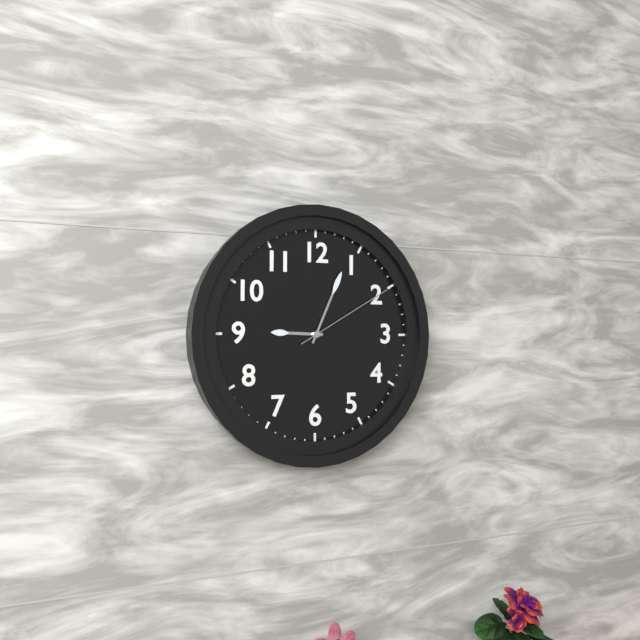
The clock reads 9:04:10
